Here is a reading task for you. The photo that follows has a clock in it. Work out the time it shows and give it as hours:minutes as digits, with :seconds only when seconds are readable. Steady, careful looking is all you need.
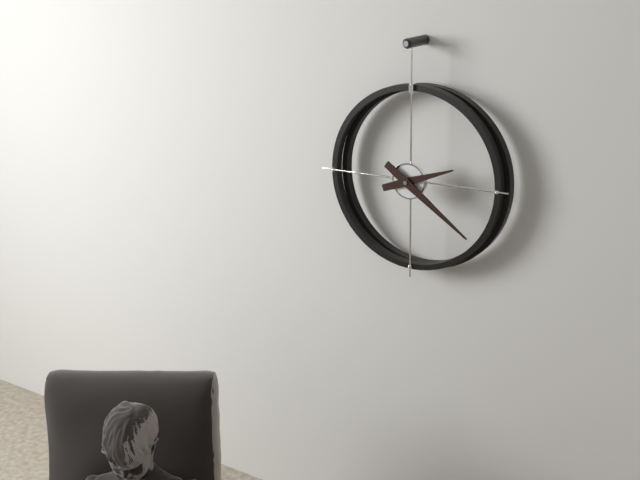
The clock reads 2:21
